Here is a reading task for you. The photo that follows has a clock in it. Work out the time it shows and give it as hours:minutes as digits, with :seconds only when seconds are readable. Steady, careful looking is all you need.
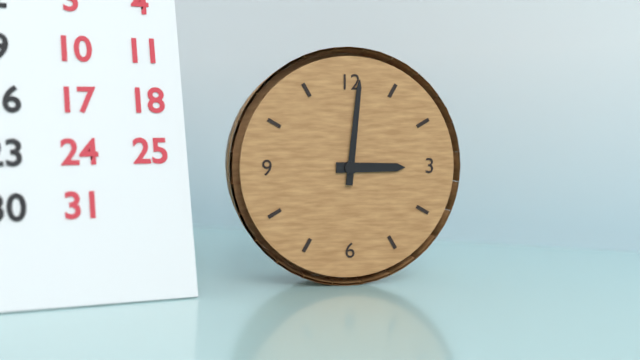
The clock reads 3:01
